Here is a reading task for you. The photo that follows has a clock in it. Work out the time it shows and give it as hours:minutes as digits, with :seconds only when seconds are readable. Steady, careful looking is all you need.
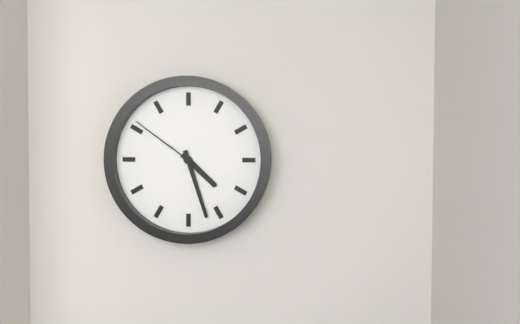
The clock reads 4:27:51
